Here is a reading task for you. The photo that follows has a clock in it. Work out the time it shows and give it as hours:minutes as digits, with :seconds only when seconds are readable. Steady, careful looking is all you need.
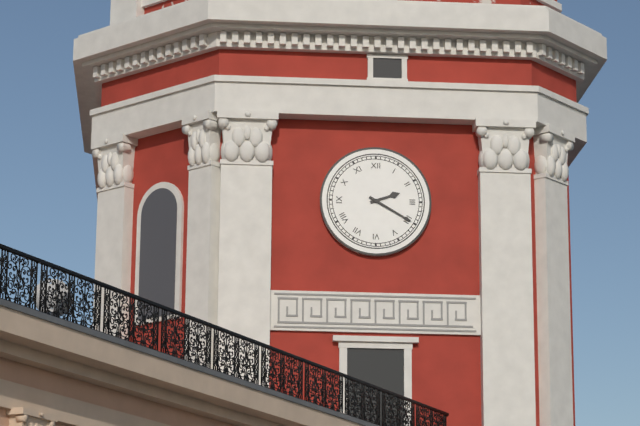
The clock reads 2:20
